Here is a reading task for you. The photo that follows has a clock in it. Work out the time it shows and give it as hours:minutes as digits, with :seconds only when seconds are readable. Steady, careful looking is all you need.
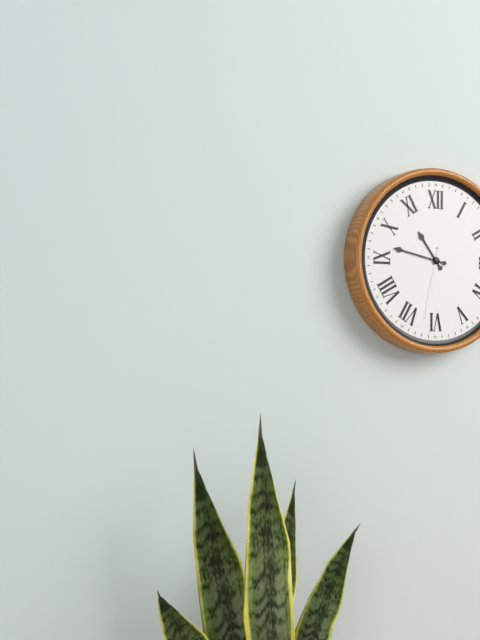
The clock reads 10:47:32
